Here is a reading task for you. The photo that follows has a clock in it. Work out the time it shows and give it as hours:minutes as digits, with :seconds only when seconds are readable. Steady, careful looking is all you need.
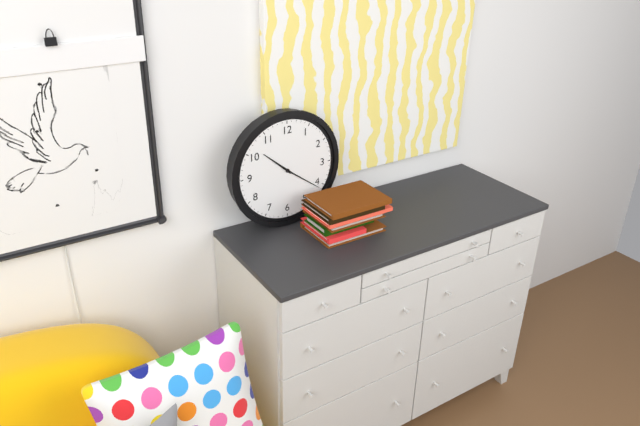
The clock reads 10:21
